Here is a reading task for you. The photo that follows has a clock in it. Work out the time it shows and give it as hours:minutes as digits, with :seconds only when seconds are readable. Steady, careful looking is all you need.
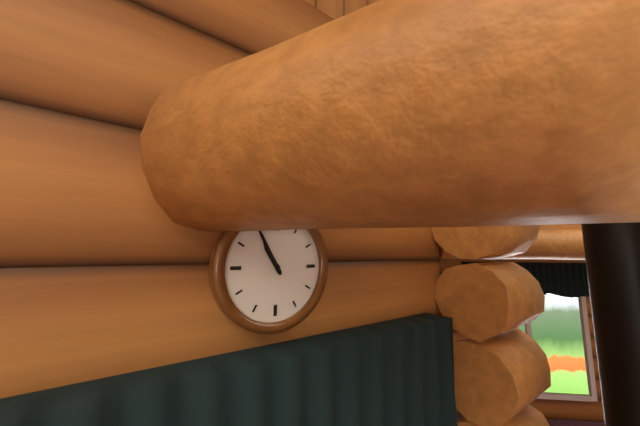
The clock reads 10:55
